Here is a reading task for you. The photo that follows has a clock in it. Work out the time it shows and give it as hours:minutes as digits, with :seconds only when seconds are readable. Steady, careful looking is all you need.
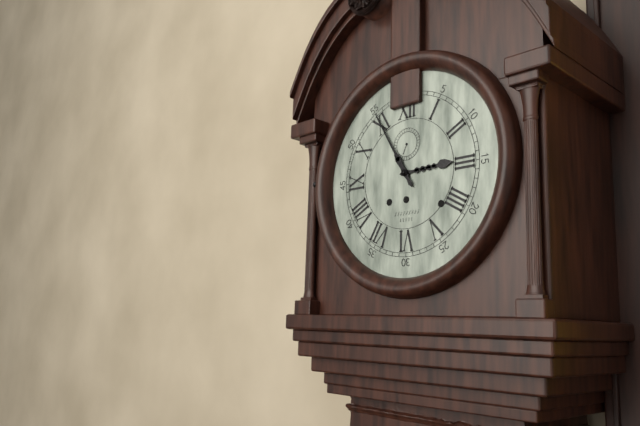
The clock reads 2:55
